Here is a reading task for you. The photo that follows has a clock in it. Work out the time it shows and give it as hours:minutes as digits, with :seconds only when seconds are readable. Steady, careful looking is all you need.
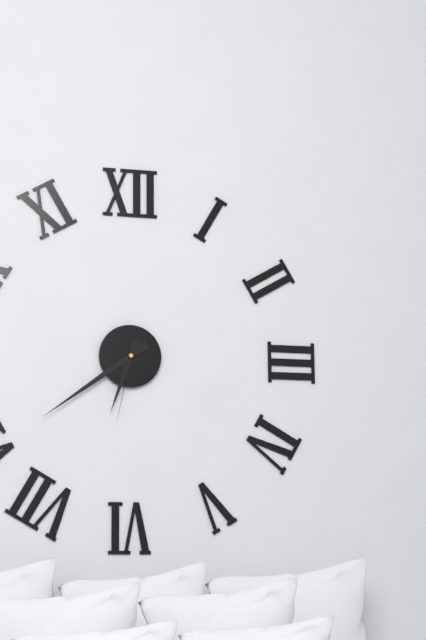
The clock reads 6:39:32
